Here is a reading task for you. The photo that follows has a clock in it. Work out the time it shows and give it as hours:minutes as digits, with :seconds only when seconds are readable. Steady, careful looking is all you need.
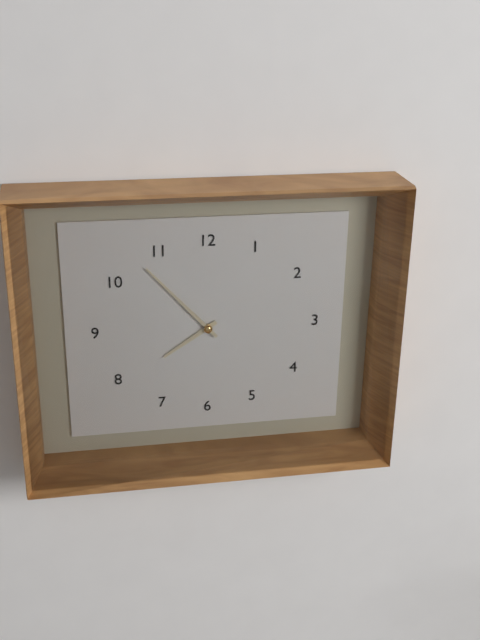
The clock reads 7:53
